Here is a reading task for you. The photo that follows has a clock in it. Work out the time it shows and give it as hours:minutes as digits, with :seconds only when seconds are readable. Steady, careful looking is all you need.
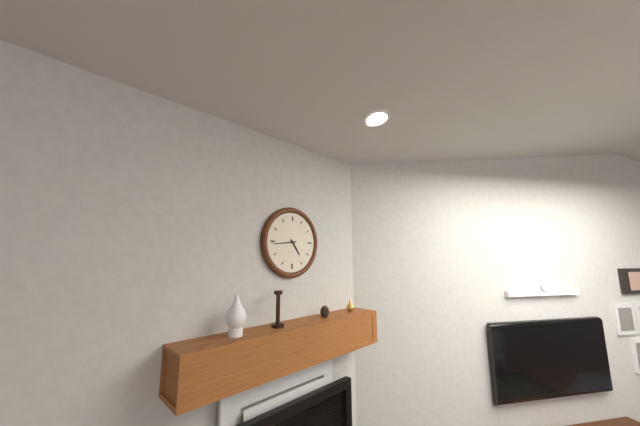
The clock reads 4:44
